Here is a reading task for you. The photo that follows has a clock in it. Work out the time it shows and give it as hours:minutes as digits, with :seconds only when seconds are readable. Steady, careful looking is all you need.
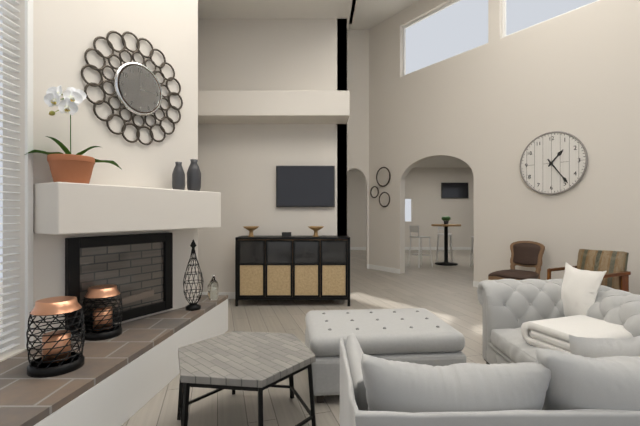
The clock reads 1:24
